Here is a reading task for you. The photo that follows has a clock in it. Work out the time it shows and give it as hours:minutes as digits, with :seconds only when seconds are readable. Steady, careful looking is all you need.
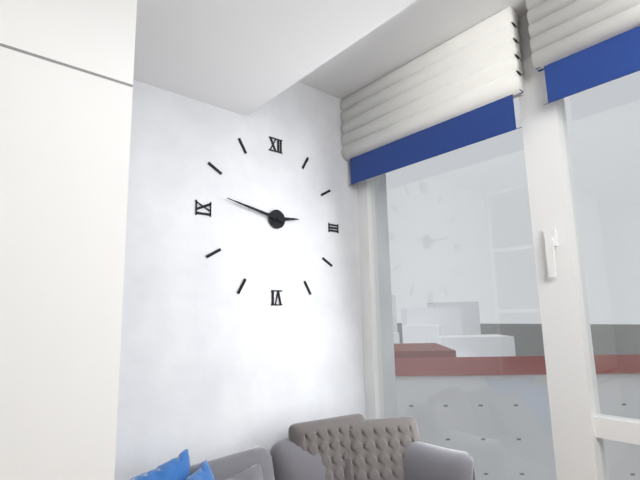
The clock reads 2:47
